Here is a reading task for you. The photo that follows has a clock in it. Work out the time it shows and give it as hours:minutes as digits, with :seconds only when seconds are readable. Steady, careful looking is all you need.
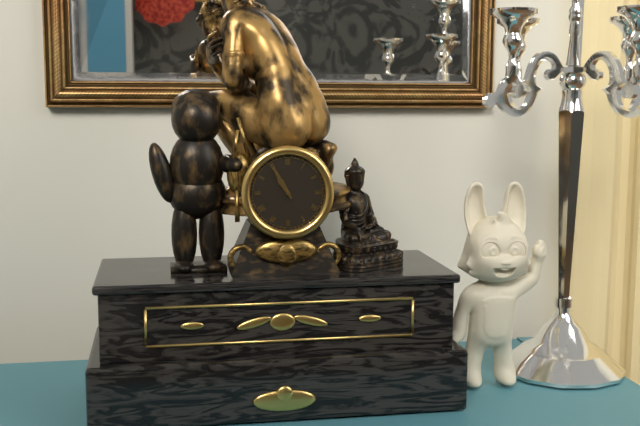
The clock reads 10:55
